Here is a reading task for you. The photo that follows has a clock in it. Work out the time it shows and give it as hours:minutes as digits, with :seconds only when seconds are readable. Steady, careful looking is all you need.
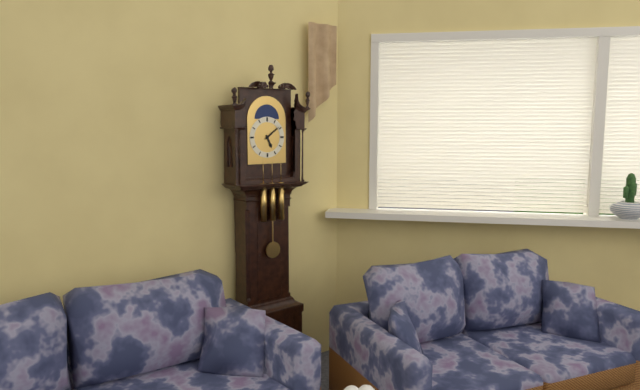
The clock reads 5:09
